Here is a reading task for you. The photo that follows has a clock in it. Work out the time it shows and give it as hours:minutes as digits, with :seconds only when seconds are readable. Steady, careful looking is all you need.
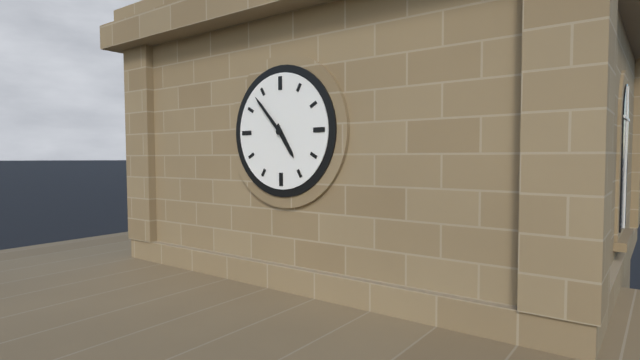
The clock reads 4:53
